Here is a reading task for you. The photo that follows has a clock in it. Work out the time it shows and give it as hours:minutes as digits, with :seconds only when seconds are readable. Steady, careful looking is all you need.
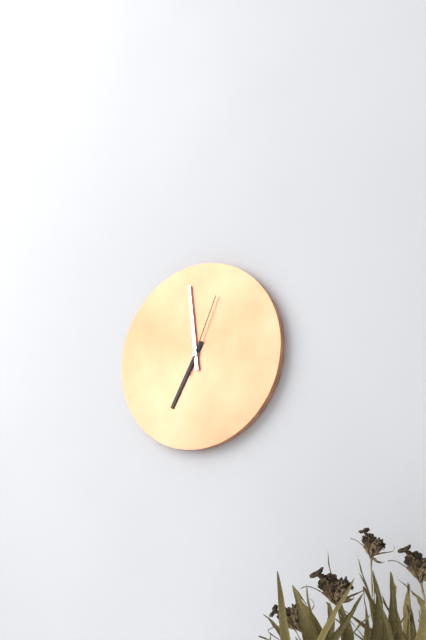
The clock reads 6:59:04
